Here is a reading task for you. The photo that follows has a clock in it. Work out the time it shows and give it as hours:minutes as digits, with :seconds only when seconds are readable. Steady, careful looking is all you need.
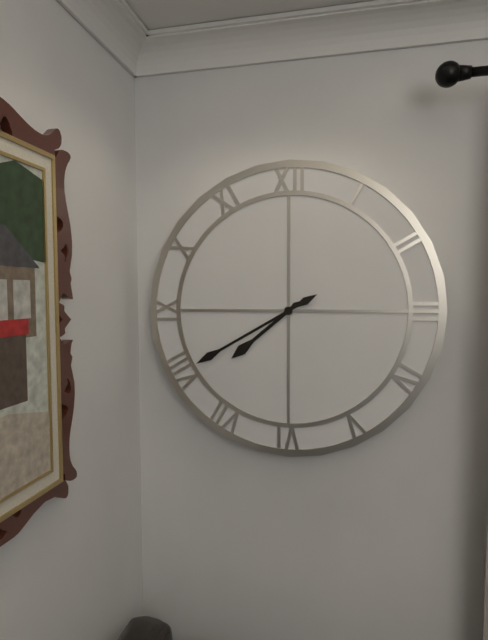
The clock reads 7:40
